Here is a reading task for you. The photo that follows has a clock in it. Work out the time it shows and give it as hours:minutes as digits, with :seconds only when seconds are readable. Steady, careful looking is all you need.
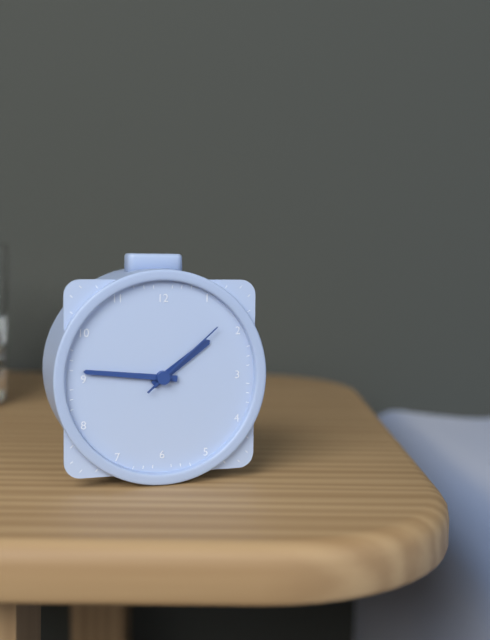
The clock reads 1:46:08
